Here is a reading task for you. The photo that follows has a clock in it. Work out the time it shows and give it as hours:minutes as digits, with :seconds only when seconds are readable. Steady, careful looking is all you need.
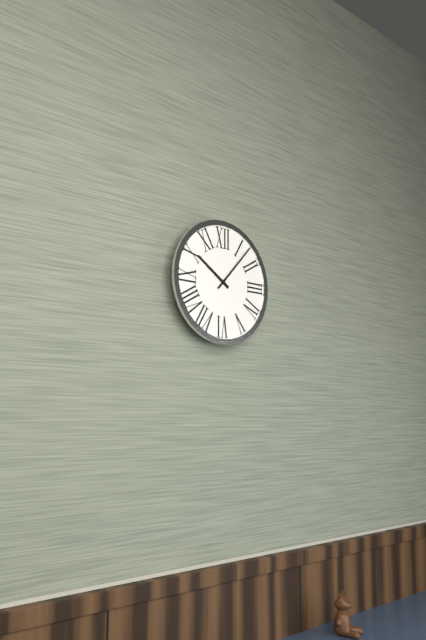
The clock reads 10:07
